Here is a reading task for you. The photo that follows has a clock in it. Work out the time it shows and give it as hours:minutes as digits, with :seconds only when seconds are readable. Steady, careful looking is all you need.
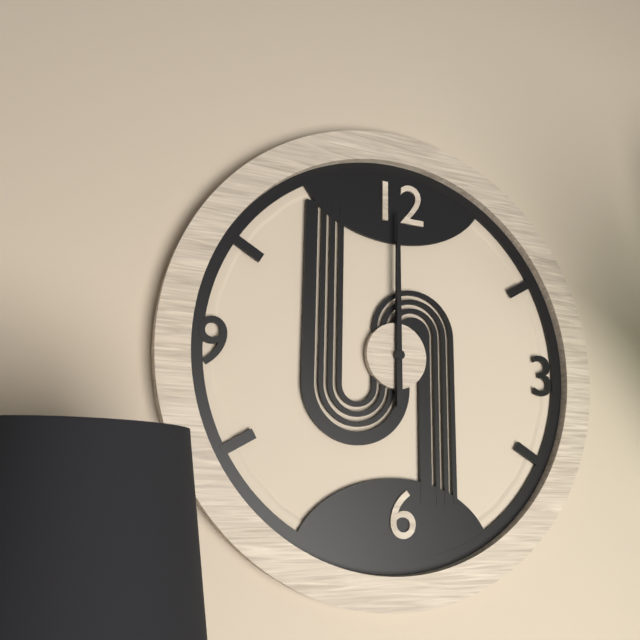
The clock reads 12:00
